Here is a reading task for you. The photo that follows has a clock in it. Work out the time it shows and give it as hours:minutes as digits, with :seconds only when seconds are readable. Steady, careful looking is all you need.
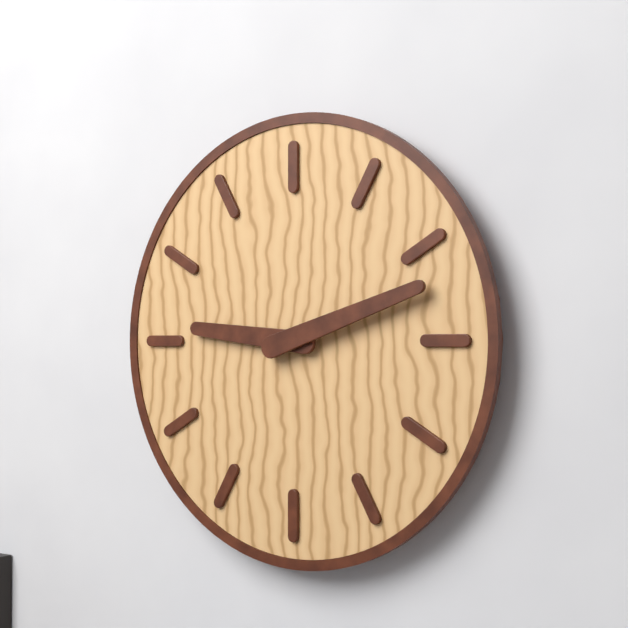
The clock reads 9:12
